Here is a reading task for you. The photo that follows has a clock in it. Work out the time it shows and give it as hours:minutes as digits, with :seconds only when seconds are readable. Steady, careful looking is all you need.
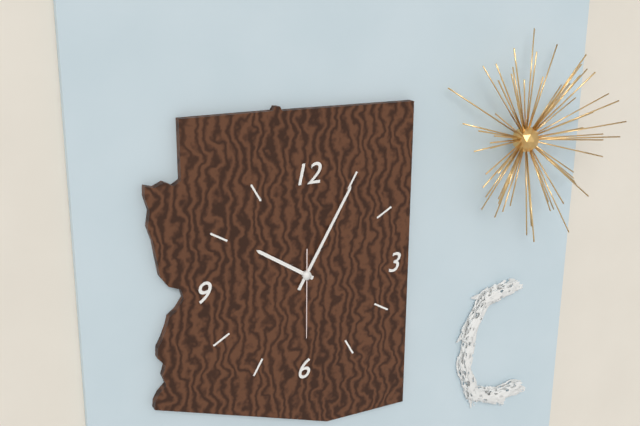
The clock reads 10:05:30
